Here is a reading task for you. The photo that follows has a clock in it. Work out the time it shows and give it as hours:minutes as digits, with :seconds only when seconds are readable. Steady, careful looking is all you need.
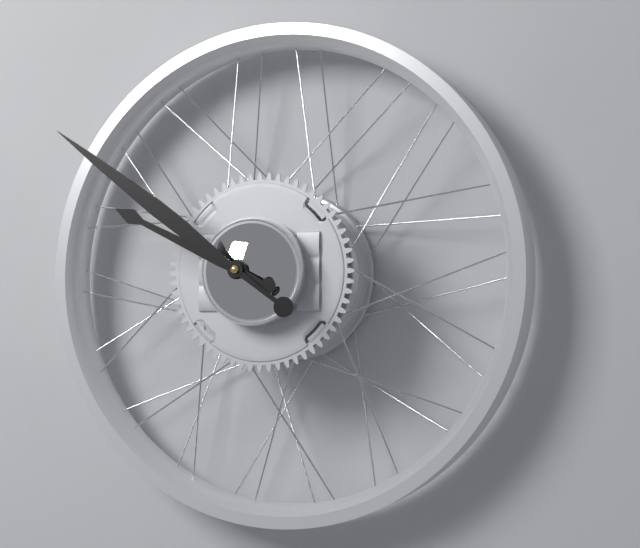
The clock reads 9:51
